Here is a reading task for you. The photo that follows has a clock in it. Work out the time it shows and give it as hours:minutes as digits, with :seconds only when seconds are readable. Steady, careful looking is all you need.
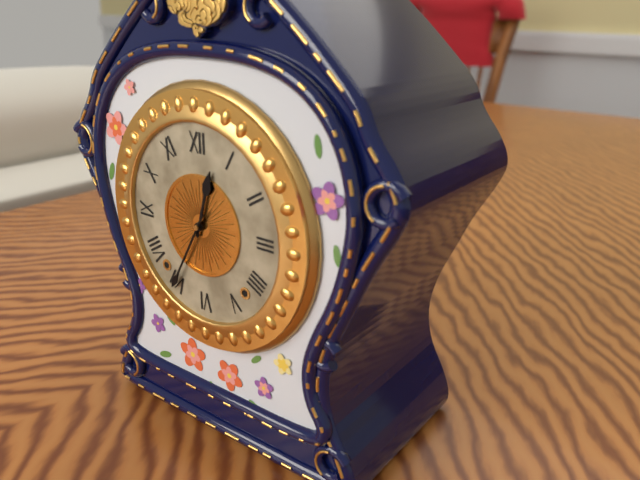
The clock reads 12:35
